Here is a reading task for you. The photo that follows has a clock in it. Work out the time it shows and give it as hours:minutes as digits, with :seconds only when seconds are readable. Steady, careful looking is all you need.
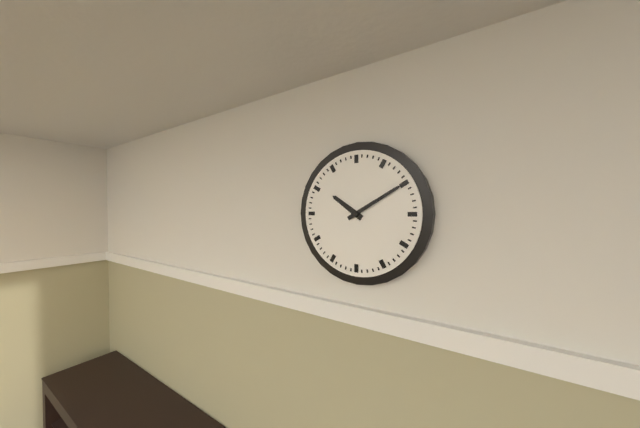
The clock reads 10:10
